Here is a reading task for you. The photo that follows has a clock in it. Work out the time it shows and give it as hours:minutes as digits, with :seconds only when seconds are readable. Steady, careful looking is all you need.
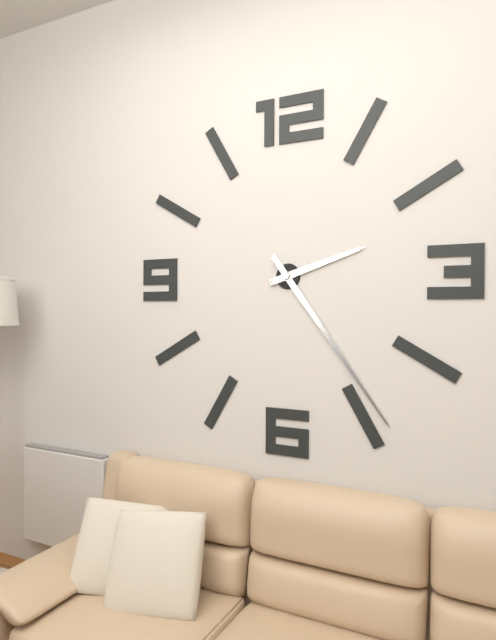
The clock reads 2:24
